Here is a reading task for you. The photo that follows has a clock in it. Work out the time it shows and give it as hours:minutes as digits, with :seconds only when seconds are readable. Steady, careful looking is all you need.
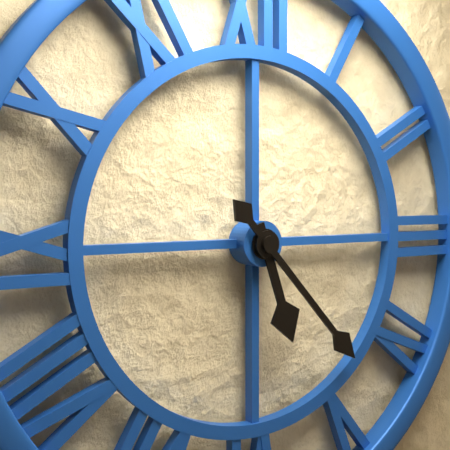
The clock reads 5:23
